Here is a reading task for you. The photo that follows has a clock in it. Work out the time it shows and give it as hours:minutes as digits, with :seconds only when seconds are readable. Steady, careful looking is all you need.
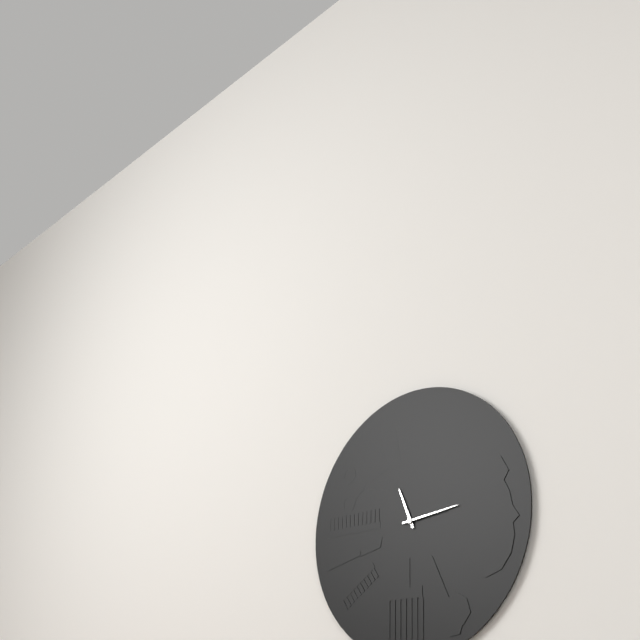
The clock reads 11:14
